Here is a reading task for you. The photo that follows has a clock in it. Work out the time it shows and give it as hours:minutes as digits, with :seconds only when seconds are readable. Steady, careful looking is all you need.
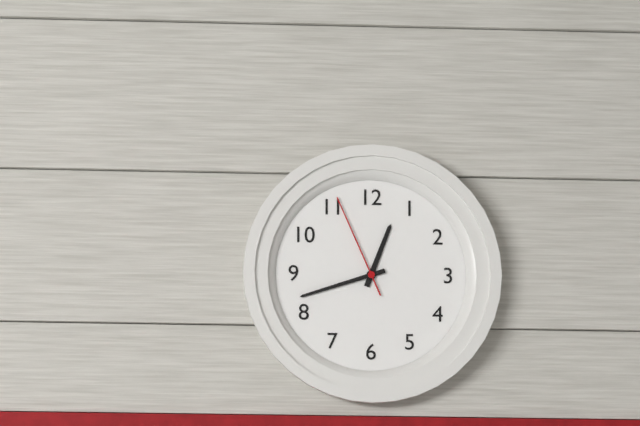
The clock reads 12:42:56
